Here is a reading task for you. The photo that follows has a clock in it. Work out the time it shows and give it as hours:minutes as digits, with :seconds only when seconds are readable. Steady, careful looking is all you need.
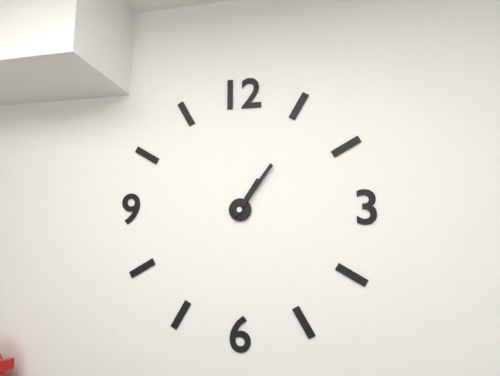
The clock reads 1:06
